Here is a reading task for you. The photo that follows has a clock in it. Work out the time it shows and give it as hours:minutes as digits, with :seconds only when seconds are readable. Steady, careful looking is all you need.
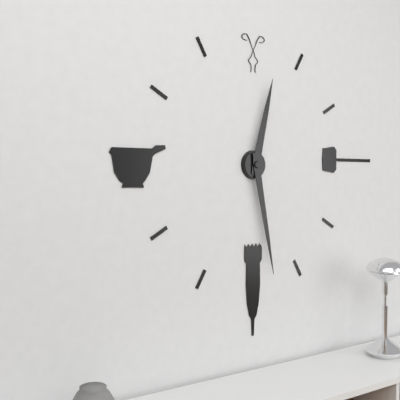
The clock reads 12:28
